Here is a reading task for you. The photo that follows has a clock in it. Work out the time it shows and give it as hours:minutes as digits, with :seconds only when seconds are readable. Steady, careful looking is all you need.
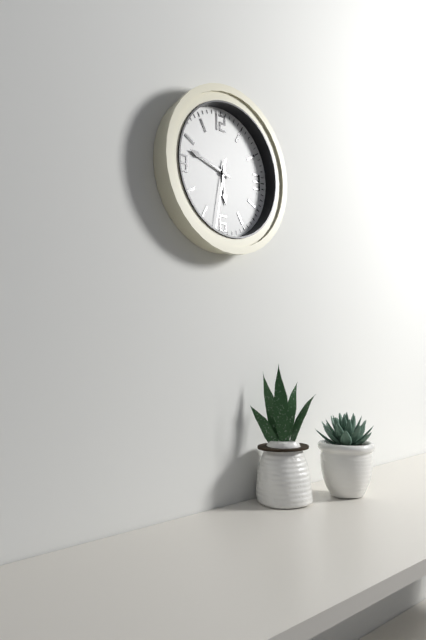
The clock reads 5:48:32
